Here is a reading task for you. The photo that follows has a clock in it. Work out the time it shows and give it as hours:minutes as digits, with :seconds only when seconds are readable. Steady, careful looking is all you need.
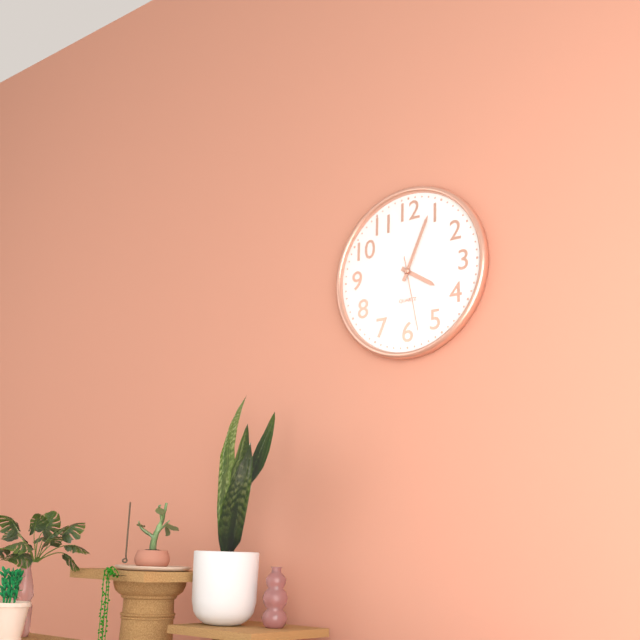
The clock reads 4:04:28
